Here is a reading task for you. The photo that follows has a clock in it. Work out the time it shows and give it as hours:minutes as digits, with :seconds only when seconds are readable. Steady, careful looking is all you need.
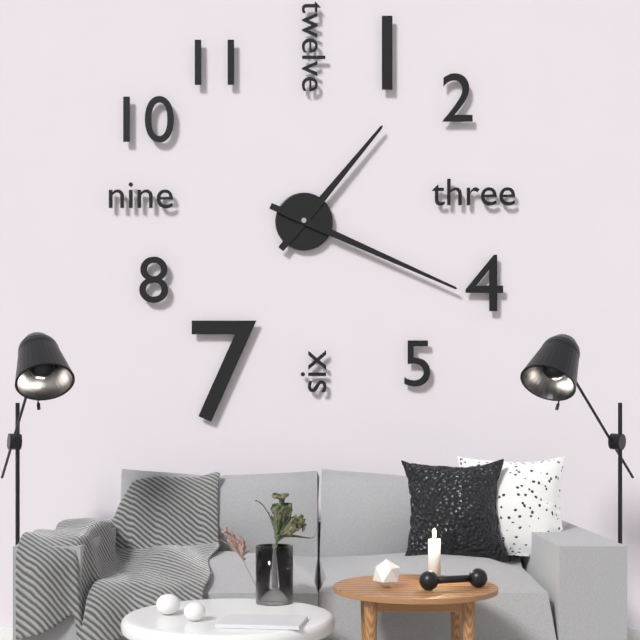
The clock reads 1:19
